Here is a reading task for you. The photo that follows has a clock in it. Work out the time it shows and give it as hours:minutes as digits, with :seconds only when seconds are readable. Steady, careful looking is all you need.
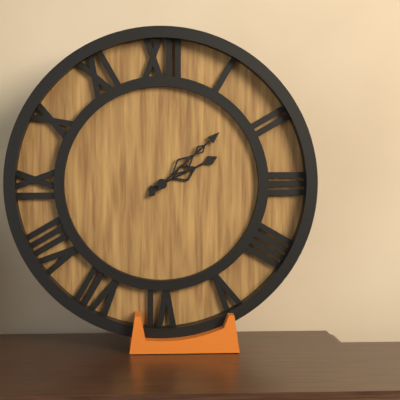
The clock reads 2:08
